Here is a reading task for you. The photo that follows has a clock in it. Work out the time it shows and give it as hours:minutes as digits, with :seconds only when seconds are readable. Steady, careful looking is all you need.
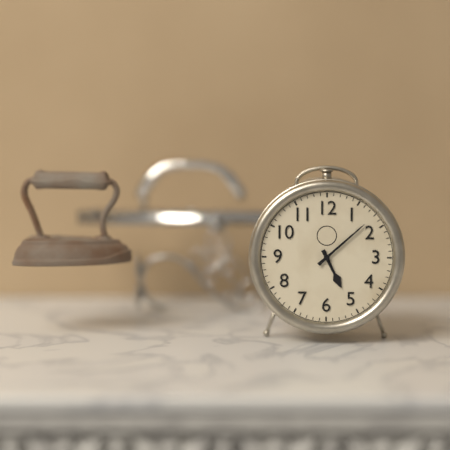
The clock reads 5:08
